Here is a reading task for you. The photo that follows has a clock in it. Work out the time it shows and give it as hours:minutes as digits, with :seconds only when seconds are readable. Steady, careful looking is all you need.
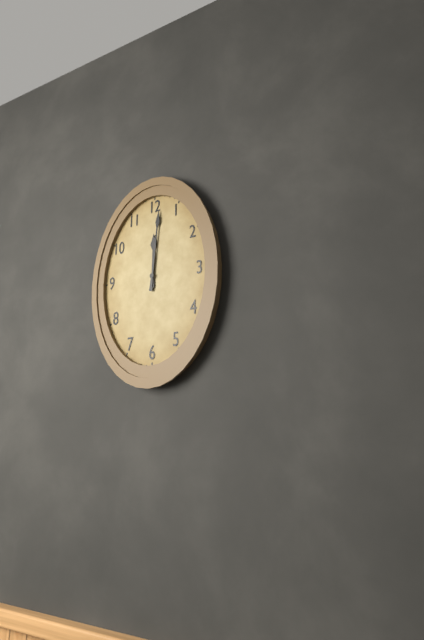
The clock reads 12:01
